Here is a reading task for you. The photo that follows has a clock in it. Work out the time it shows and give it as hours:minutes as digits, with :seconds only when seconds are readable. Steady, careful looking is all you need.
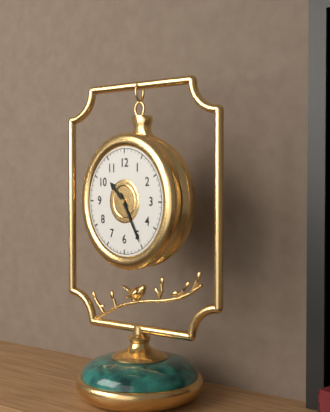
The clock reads 10:25
